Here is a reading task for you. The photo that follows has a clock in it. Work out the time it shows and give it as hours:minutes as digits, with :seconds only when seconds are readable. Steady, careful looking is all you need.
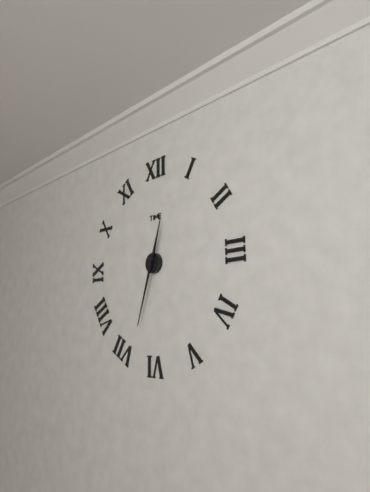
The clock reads 12:33
